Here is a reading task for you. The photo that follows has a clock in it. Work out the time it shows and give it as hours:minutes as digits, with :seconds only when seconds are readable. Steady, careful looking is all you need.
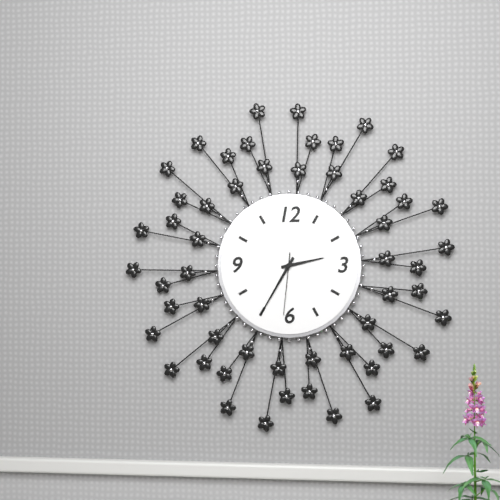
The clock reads 2:35:31
